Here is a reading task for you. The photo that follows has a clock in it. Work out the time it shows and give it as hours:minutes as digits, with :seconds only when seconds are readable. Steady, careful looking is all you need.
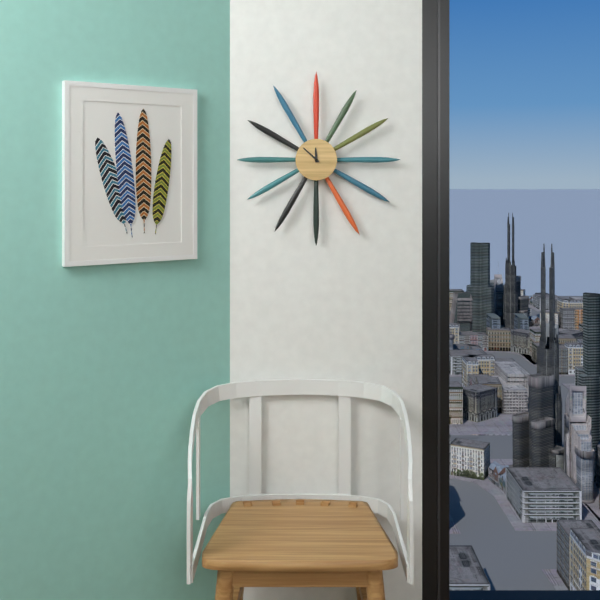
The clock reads 11:52
